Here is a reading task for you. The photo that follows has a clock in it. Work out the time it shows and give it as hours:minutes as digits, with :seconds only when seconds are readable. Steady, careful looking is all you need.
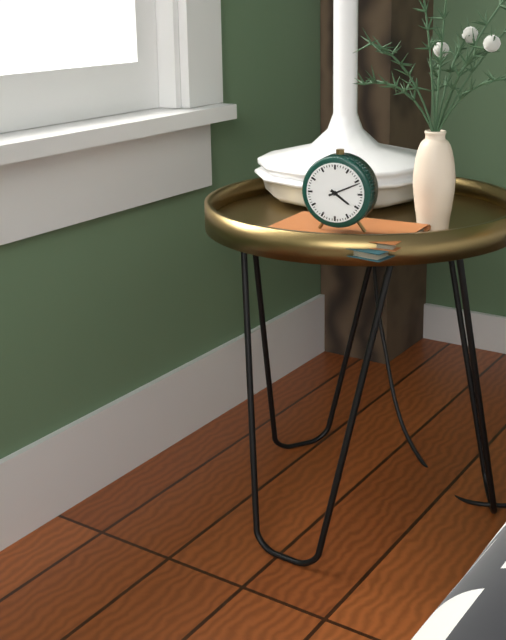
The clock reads 4:11
